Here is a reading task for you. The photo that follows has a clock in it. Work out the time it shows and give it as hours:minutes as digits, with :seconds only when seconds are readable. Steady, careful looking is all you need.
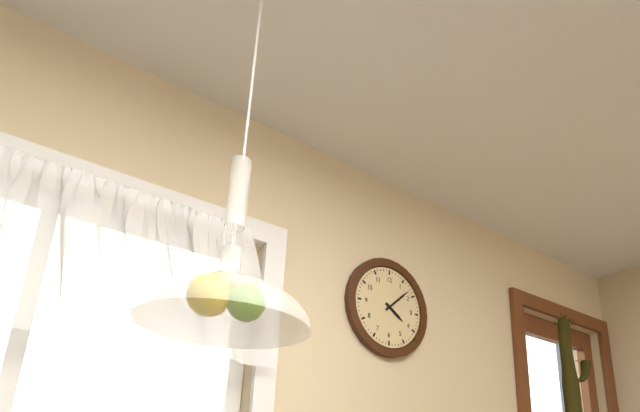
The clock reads 4:08
